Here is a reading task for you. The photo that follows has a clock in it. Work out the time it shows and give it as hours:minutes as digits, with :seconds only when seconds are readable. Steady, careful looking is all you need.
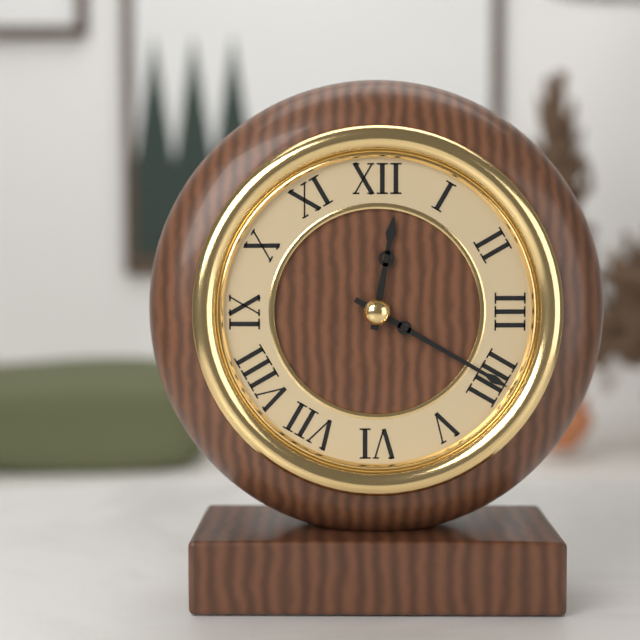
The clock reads 12:20
